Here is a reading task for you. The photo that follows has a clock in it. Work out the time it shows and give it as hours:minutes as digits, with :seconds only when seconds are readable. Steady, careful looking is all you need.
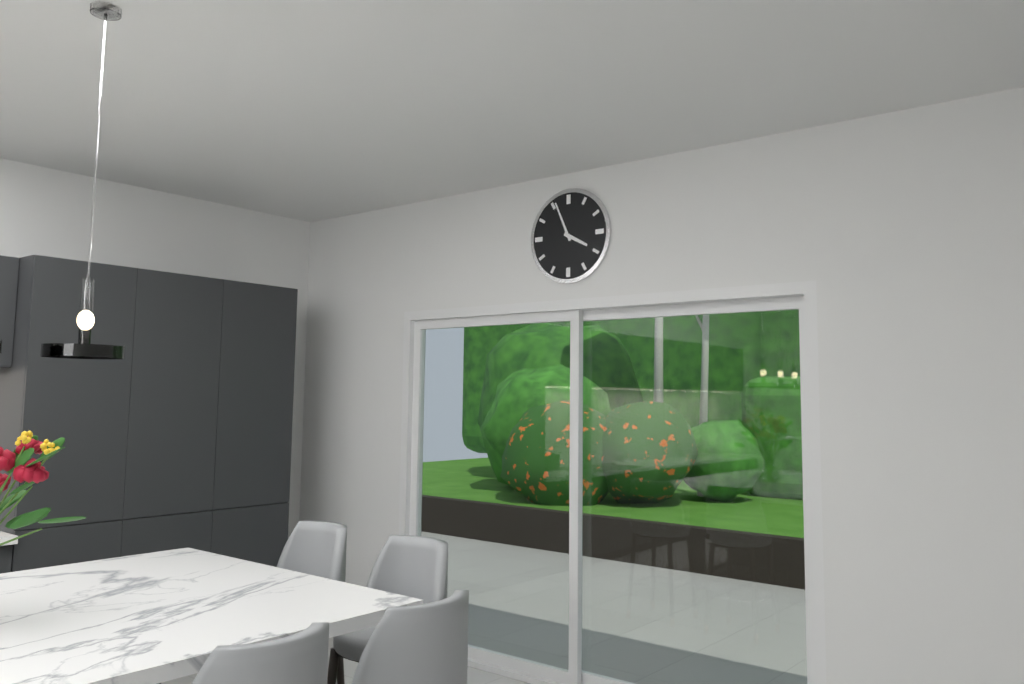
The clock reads 3:56
